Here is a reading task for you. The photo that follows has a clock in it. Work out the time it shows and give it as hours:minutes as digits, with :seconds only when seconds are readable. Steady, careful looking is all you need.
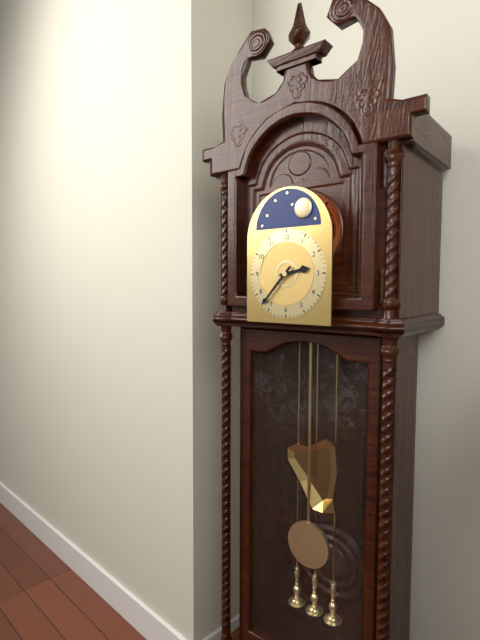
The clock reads 2:37
